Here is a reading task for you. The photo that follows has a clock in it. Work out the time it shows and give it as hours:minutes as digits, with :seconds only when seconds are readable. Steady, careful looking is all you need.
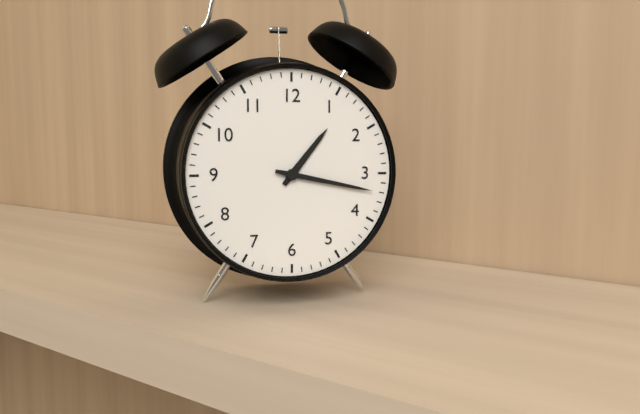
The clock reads 1:17
